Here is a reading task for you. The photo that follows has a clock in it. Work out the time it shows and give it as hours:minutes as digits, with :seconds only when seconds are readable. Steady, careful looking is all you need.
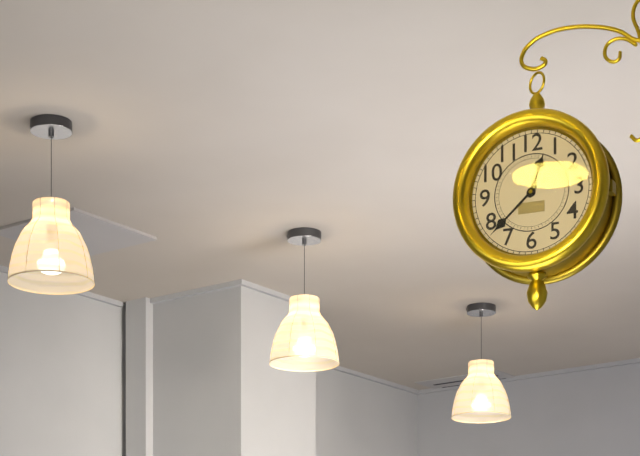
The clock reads 12:38
